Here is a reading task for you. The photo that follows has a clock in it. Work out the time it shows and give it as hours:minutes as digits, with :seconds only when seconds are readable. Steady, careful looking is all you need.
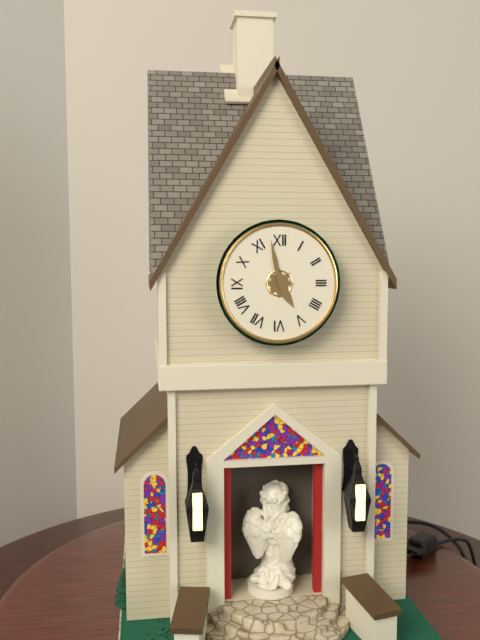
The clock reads 4:58
